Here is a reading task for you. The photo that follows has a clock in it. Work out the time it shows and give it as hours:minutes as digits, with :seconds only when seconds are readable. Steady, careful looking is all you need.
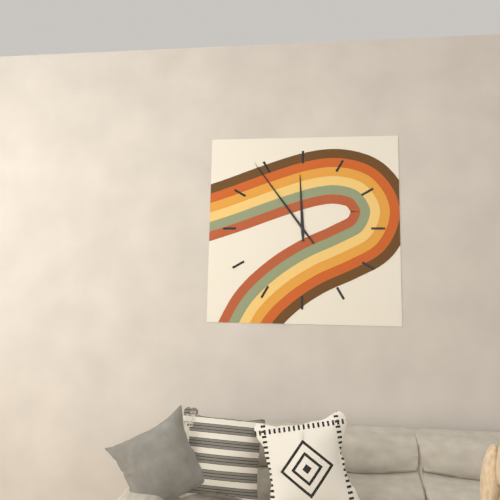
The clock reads 11:54
